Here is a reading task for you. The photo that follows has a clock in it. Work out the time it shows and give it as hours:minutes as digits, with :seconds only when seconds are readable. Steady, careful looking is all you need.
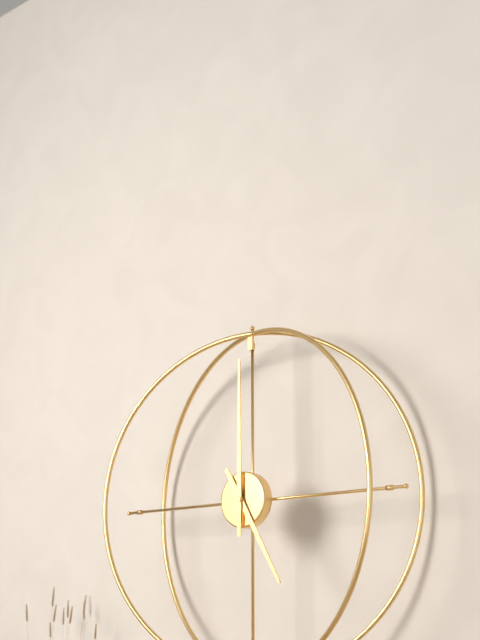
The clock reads 5:00
